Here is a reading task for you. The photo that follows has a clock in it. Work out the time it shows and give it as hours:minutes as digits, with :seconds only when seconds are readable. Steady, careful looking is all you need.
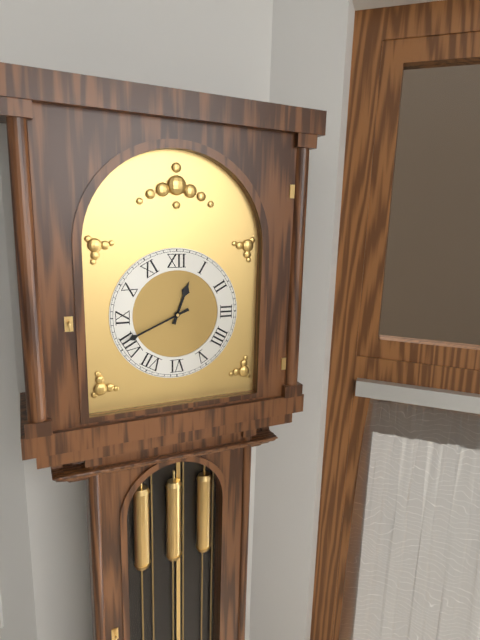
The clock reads 12:41
